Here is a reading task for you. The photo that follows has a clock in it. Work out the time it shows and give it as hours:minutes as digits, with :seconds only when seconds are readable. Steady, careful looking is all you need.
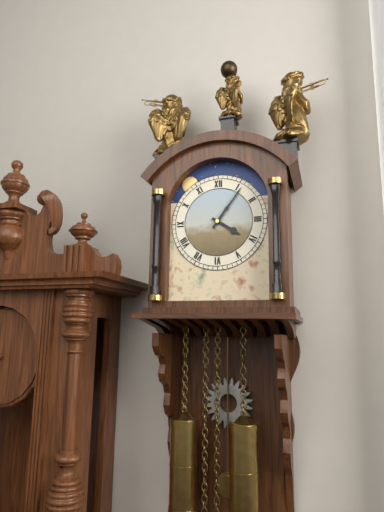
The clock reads 4:06
